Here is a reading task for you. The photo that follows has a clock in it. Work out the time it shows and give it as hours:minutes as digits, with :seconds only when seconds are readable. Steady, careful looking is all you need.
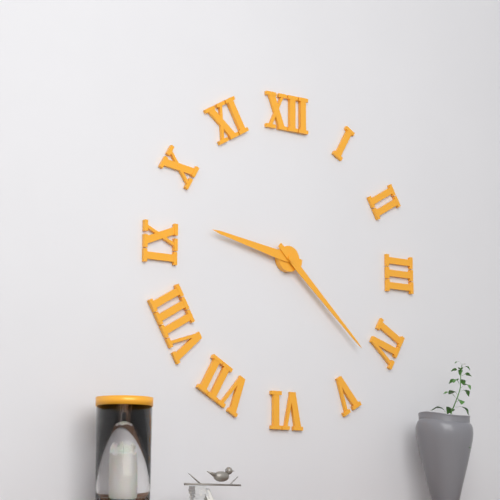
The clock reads 9:22
